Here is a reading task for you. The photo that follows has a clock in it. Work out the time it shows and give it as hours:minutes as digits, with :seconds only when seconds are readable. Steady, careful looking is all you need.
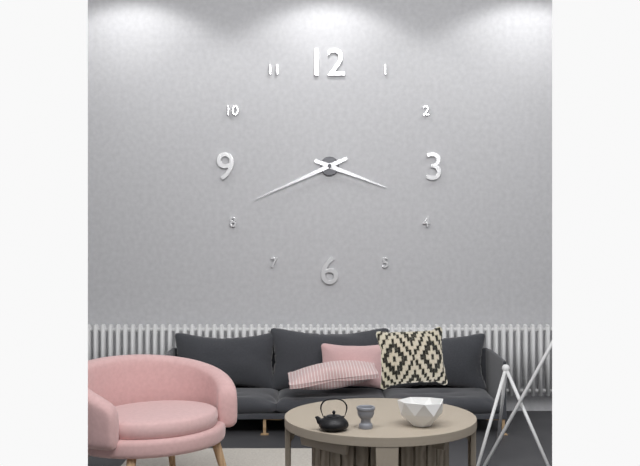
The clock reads 3:41
